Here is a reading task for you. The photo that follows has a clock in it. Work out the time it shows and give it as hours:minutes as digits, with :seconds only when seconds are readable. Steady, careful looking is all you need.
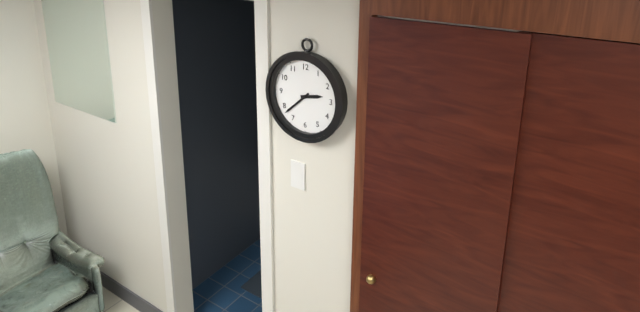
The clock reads 2:38
